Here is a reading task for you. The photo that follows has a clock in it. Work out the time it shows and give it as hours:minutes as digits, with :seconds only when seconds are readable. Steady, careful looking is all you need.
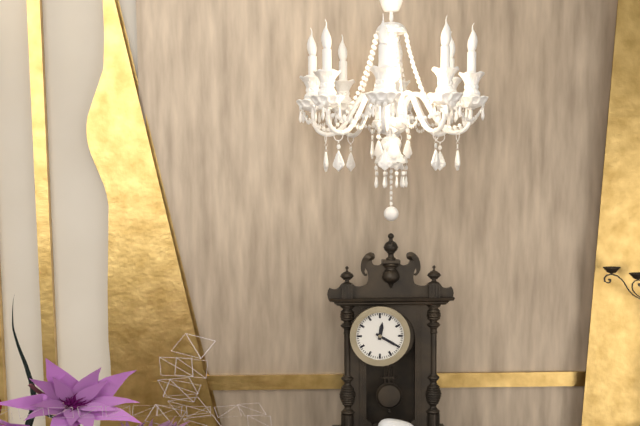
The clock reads 12:20
